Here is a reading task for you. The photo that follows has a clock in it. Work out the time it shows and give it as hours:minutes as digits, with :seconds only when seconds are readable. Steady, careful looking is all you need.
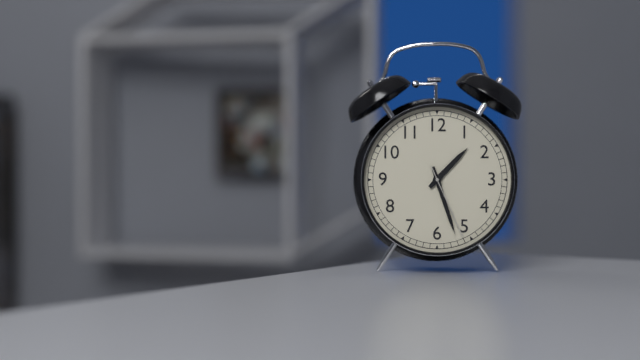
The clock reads 1:27:26
